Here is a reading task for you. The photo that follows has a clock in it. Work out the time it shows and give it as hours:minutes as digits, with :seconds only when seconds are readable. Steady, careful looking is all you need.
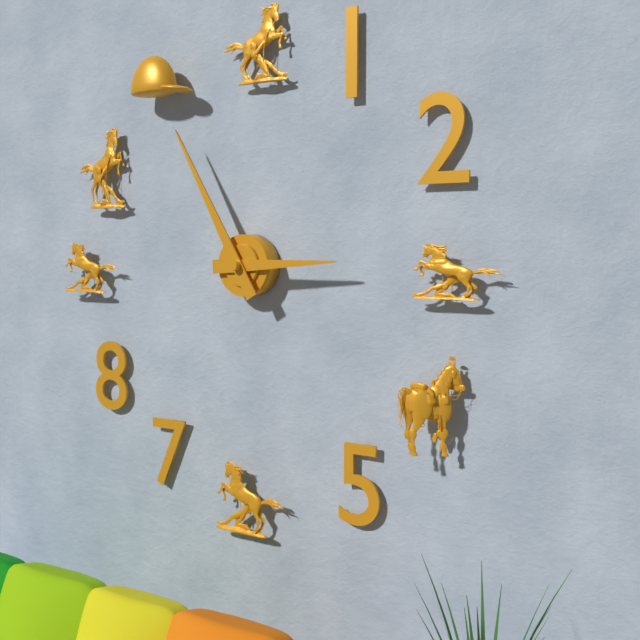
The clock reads 2:55
